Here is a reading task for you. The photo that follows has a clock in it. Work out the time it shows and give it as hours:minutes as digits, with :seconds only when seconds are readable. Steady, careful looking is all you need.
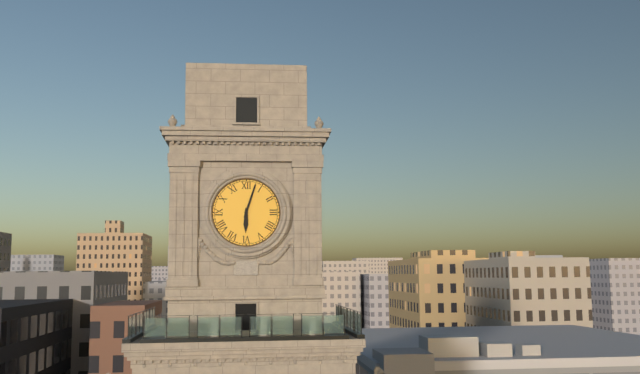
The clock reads 6:03
